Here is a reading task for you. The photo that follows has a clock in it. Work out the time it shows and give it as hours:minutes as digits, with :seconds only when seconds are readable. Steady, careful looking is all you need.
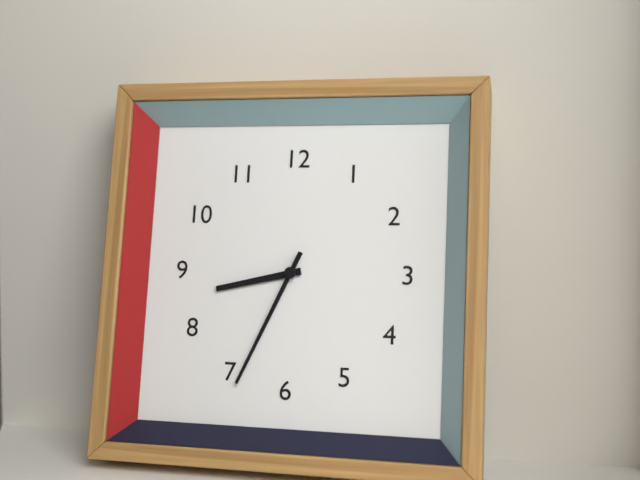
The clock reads 8:34
